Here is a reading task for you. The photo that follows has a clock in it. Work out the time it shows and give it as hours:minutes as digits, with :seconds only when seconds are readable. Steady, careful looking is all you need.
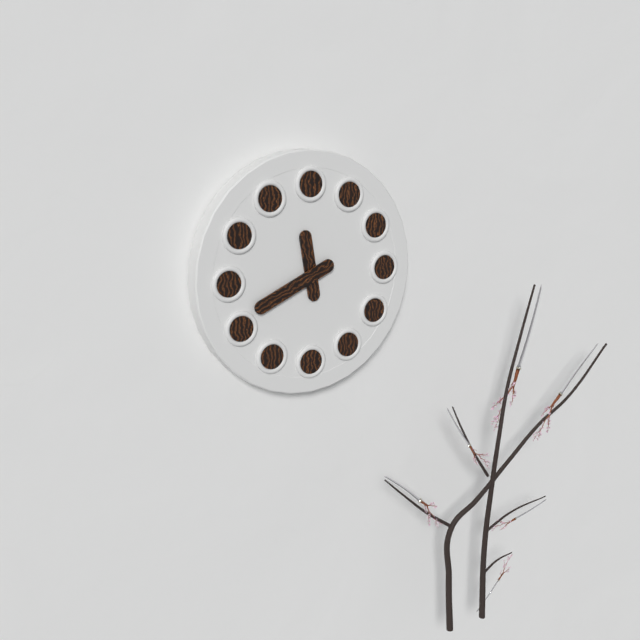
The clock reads 11:41
